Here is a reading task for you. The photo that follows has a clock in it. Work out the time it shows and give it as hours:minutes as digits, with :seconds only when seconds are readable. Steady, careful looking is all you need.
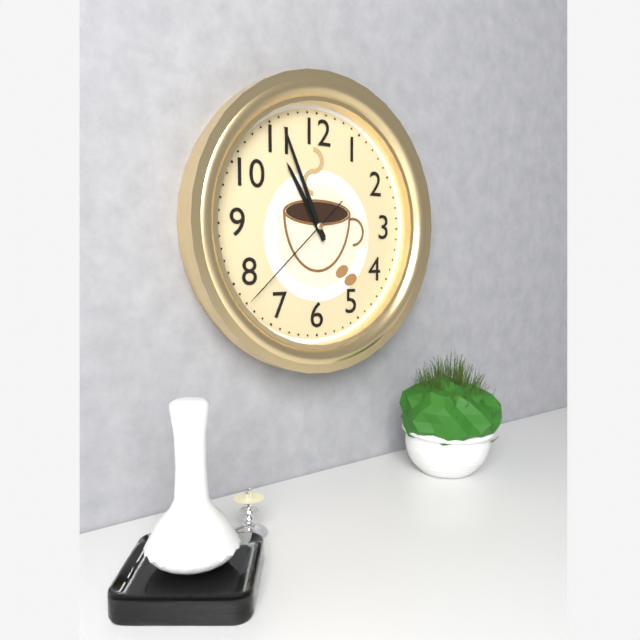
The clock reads 10:56:38
